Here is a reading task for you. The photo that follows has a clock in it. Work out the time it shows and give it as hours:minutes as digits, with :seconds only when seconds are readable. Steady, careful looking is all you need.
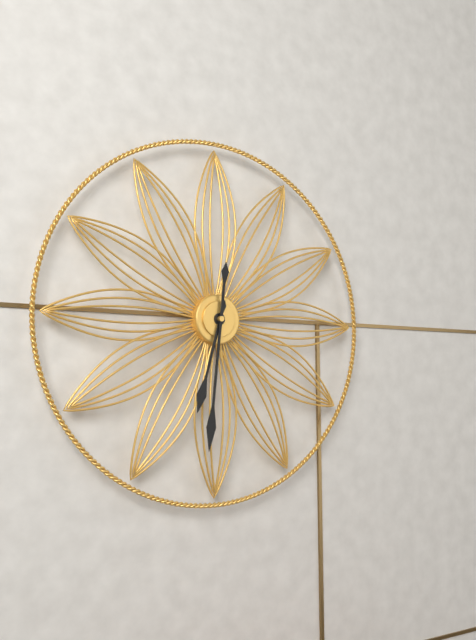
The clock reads 6:31
